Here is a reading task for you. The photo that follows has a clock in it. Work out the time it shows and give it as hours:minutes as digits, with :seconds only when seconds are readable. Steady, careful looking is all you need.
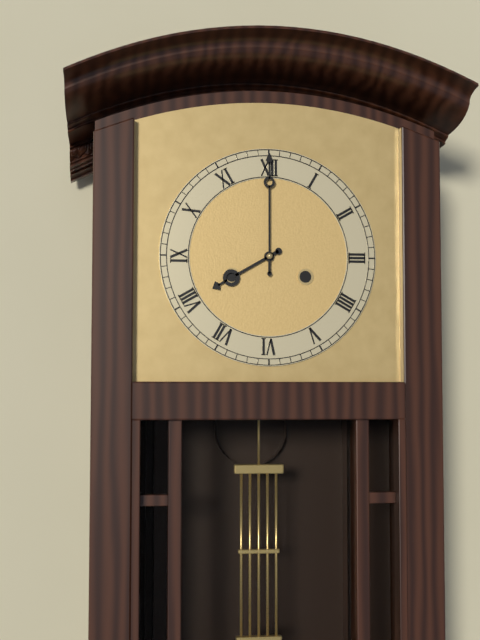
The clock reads 8:00
